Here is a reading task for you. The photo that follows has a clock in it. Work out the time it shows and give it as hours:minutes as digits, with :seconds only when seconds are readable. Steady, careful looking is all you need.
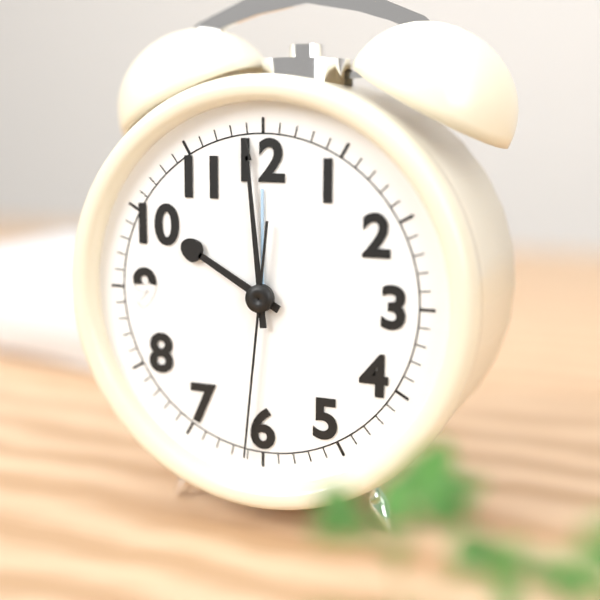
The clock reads 9:59:31
